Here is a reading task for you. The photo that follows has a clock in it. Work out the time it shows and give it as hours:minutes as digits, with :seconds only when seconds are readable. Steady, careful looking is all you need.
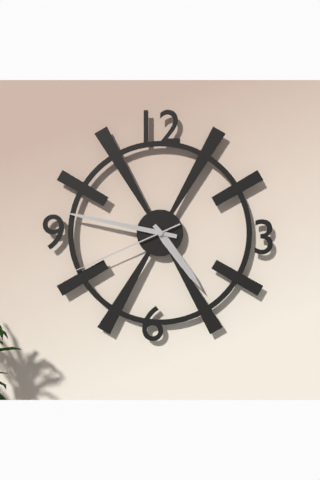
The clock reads 4:47:41
